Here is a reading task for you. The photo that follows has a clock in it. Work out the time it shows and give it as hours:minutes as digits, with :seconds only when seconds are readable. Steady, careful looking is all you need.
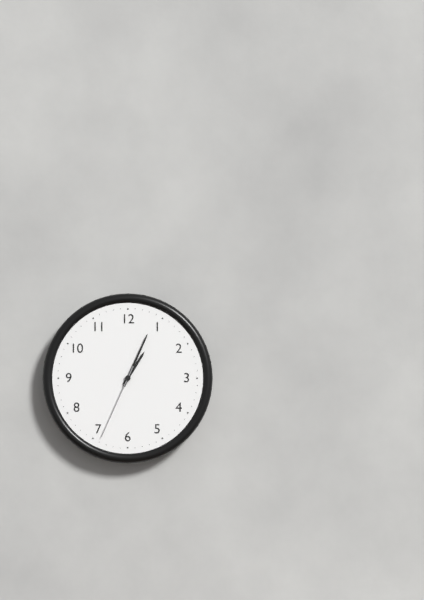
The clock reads 1:04:34
